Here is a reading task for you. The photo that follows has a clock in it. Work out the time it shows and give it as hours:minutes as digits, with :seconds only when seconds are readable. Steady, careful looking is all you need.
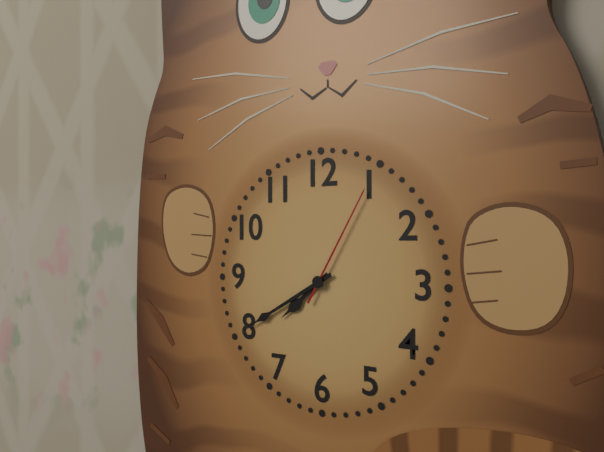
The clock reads 7:40:05
